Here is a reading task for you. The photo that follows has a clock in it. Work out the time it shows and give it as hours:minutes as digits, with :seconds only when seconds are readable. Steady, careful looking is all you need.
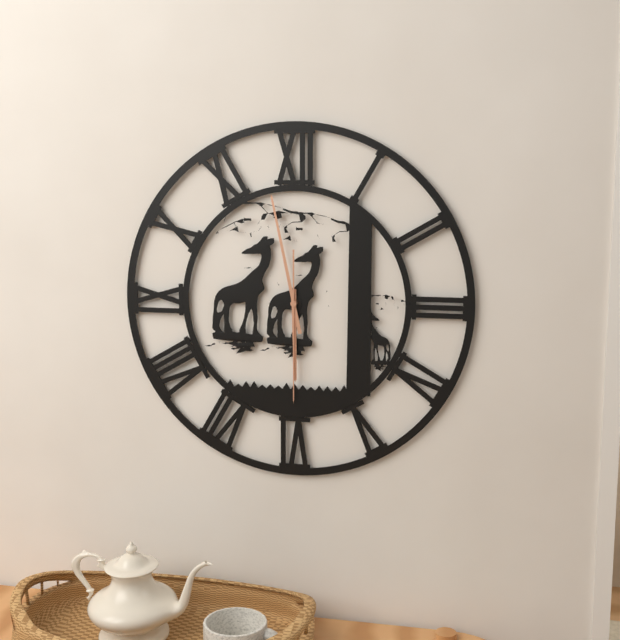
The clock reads 5:58:30
